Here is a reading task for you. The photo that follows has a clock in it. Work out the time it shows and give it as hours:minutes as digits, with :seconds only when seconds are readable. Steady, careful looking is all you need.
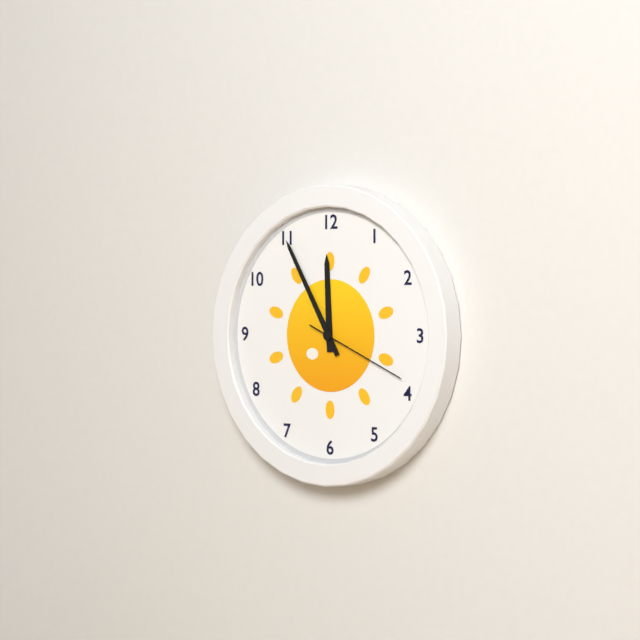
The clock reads 11:55:19
